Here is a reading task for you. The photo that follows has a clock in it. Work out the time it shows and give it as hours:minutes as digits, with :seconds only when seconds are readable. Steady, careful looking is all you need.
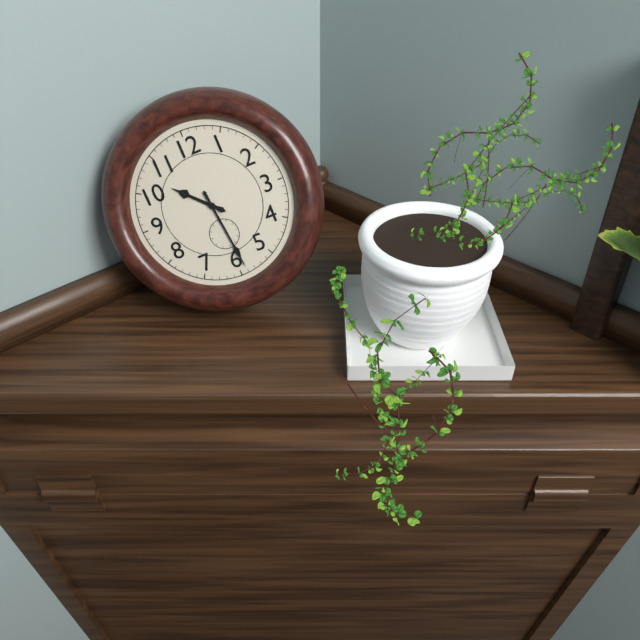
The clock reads 10:29
